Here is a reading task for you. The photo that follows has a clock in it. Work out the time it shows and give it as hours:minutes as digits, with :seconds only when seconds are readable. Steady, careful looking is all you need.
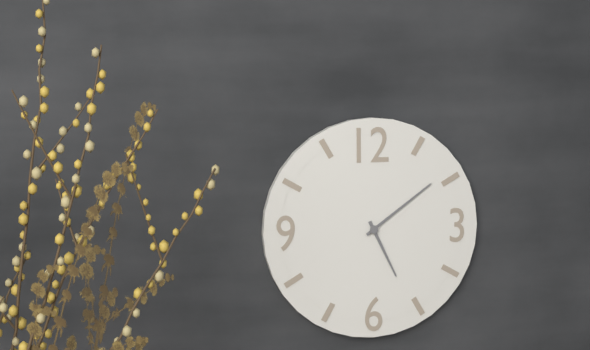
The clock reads 5:09
